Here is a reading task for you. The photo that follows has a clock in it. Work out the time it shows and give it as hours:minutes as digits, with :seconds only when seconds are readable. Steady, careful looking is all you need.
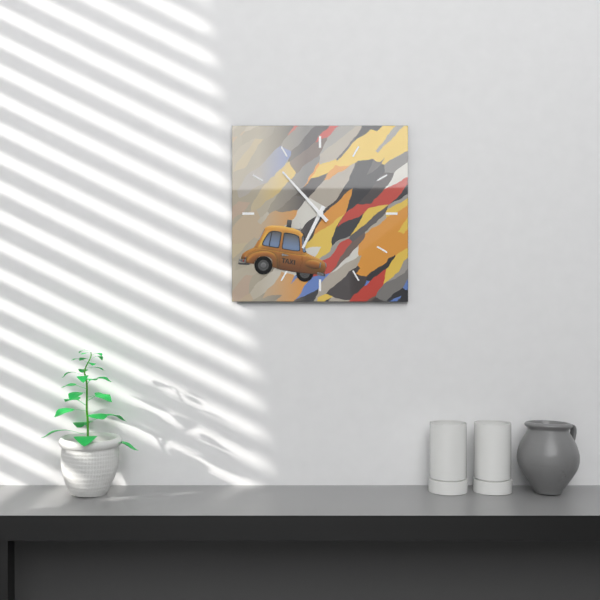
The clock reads 6:53
